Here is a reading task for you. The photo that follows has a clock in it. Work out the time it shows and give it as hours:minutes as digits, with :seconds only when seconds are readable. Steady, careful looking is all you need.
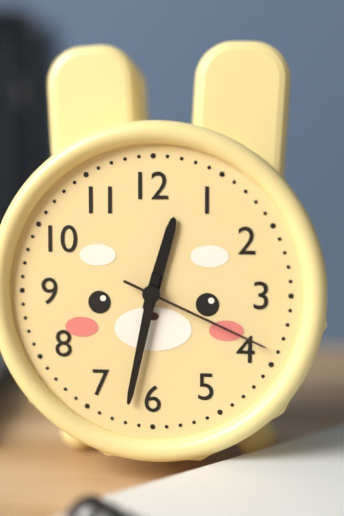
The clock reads 12:32:19
